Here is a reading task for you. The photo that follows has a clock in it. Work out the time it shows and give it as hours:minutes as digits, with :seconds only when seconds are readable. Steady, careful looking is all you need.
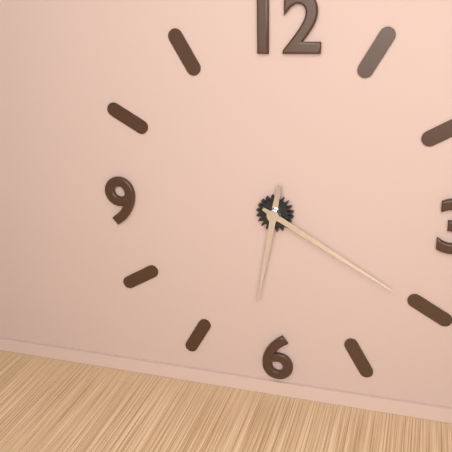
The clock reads 6:20
